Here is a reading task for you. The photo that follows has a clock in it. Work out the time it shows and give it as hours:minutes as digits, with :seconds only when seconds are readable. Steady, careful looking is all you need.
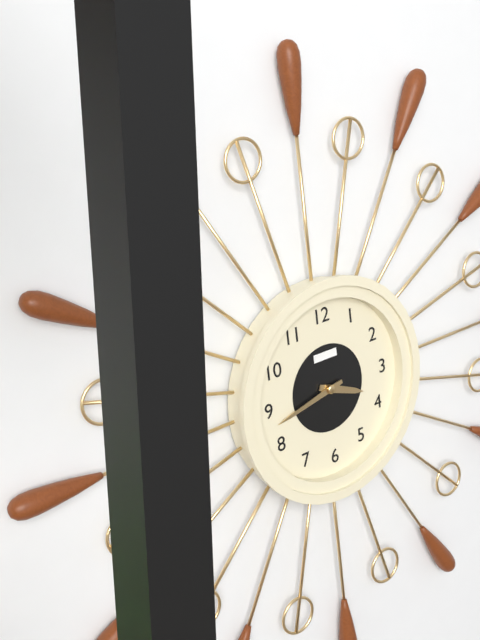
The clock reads 3:43
